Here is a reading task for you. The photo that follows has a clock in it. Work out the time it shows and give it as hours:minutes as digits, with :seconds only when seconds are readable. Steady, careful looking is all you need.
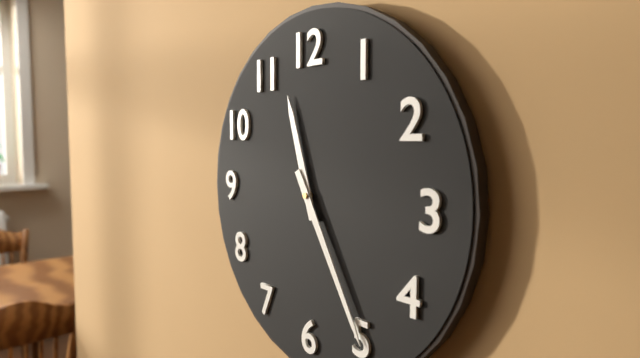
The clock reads 11:25
